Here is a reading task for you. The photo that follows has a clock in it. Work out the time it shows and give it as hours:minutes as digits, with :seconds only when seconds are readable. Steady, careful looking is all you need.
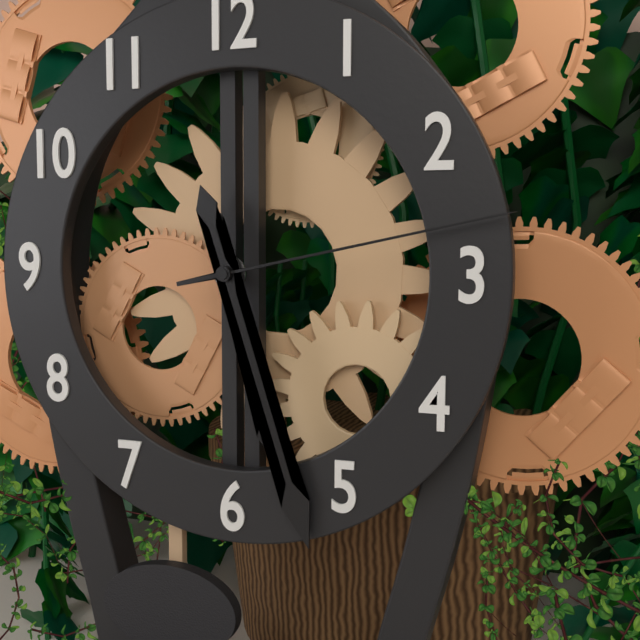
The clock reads 5:27:13
